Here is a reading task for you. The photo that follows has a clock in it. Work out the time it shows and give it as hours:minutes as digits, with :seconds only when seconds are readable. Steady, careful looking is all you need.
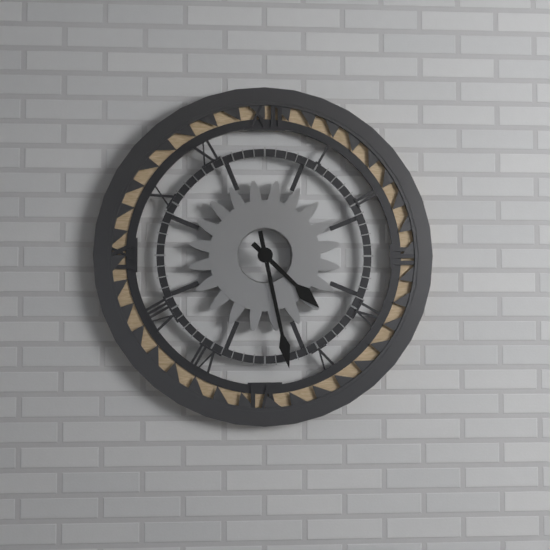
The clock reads 4:28
